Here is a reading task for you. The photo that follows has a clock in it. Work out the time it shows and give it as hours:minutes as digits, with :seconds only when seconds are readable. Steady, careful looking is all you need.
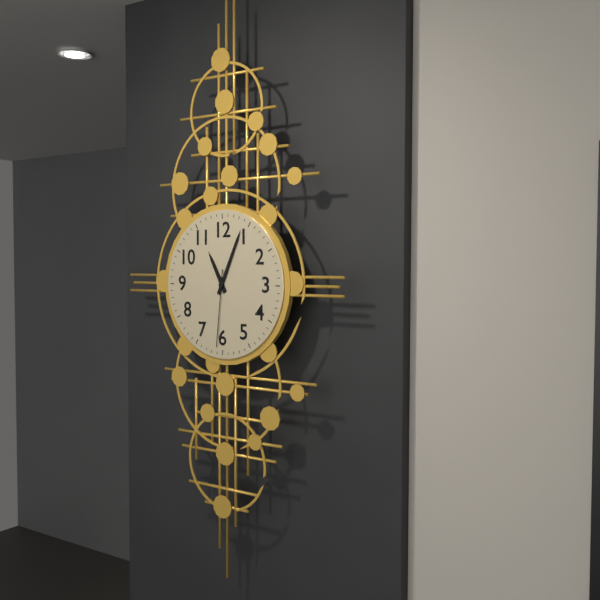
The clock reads 11:04:31
